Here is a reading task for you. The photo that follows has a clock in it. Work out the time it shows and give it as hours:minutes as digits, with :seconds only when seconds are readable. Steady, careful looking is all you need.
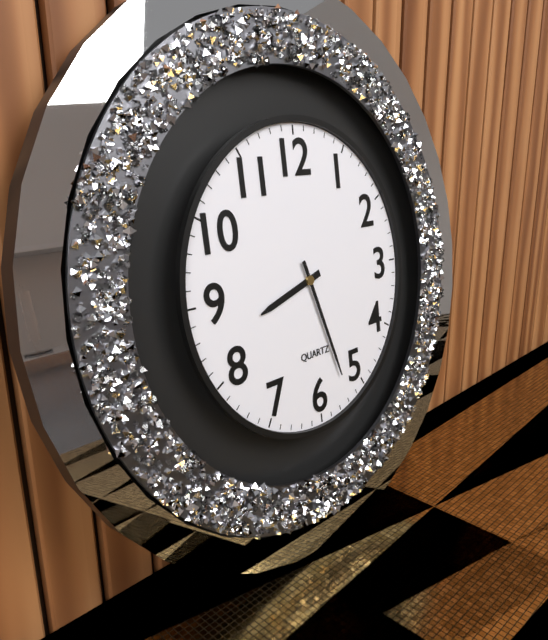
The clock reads 8:27
